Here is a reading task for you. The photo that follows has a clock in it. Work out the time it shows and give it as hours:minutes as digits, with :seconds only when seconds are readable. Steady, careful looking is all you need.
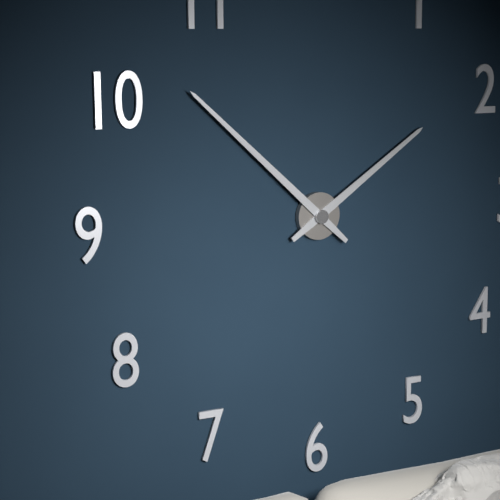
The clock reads 1:52
